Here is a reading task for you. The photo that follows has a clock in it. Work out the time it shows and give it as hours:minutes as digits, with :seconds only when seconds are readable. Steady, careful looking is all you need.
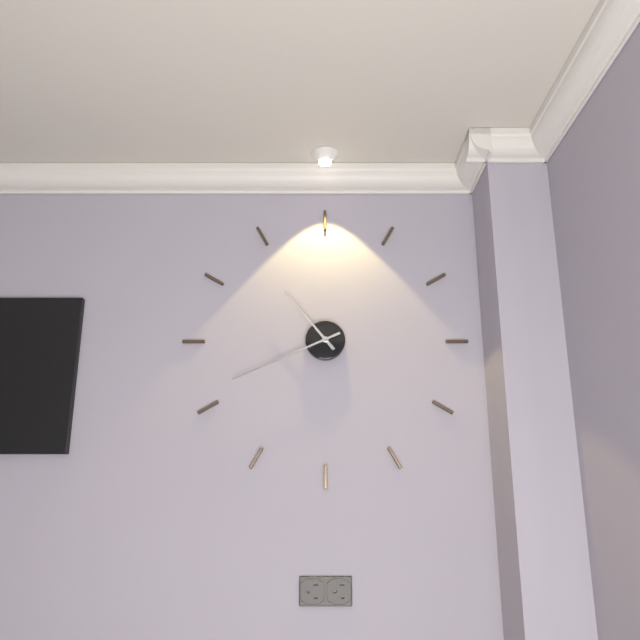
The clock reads 10:41
